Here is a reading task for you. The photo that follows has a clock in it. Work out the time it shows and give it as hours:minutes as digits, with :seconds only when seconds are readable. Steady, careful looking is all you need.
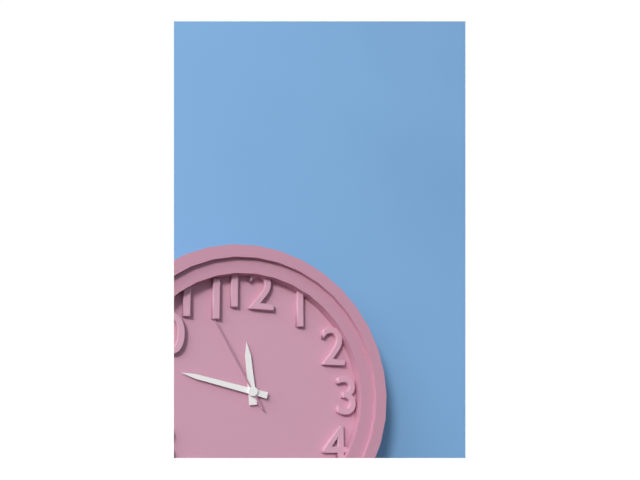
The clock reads 11:47:55
